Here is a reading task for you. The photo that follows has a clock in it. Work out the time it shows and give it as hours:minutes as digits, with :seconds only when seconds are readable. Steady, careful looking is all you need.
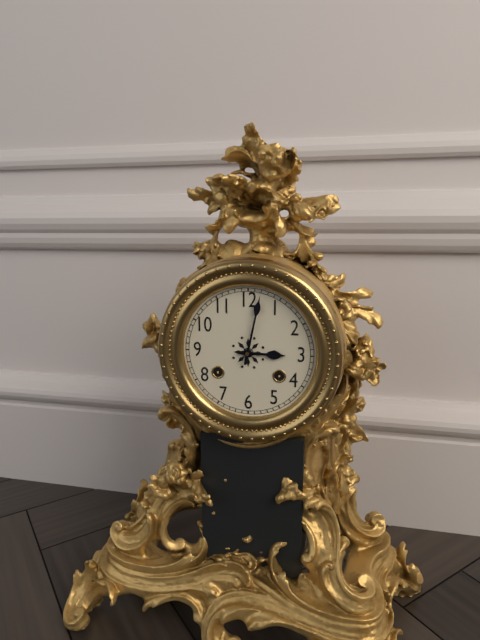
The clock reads 3:02
